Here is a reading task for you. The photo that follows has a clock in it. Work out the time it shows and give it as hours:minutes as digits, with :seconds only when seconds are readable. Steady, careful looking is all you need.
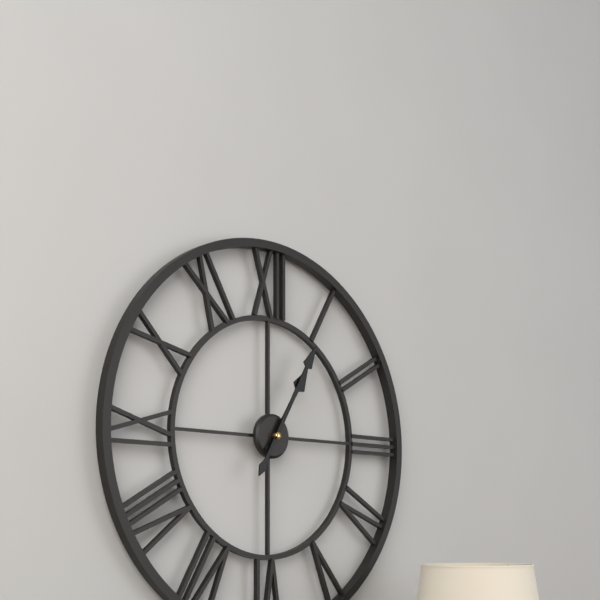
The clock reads 1:05
